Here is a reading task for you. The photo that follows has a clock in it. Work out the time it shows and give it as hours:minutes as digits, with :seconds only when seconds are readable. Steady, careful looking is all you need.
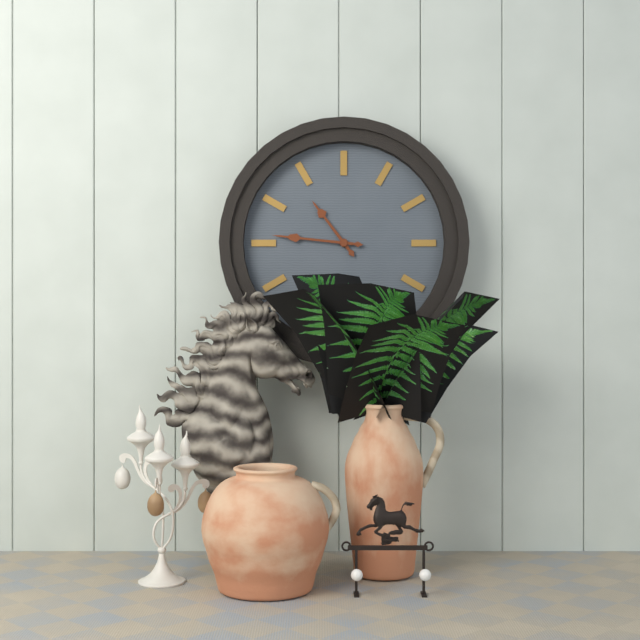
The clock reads 10:46
